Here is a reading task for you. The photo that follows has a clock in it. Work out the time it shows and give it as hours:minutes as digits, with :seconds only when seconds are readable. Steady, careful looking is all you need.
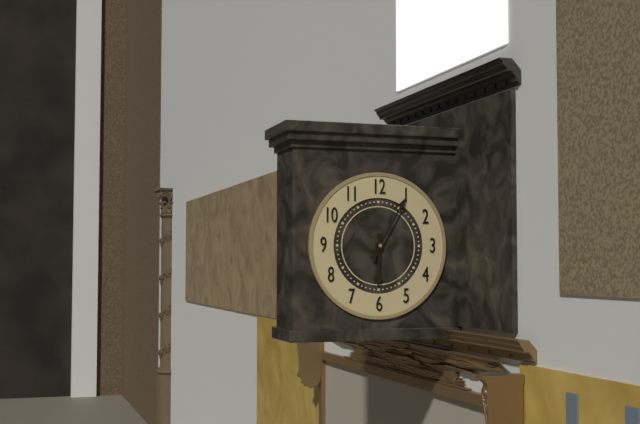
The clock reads 6:05
